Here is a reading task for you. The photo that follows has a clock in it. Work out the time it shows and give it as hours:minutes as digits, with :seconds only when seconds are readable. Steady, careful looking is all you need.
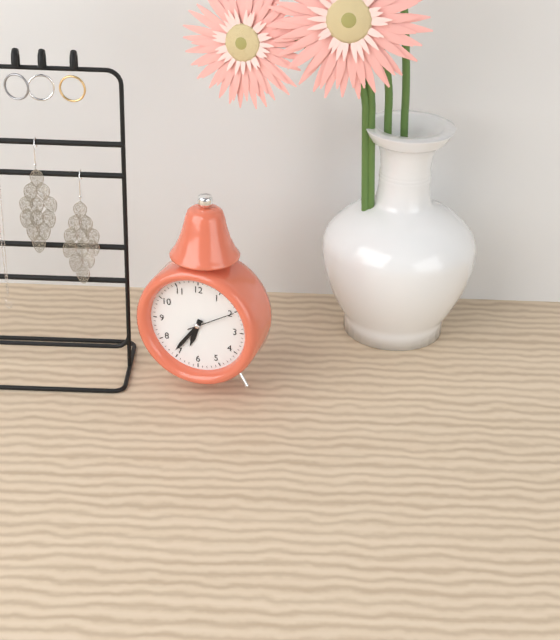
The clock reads 6:36
